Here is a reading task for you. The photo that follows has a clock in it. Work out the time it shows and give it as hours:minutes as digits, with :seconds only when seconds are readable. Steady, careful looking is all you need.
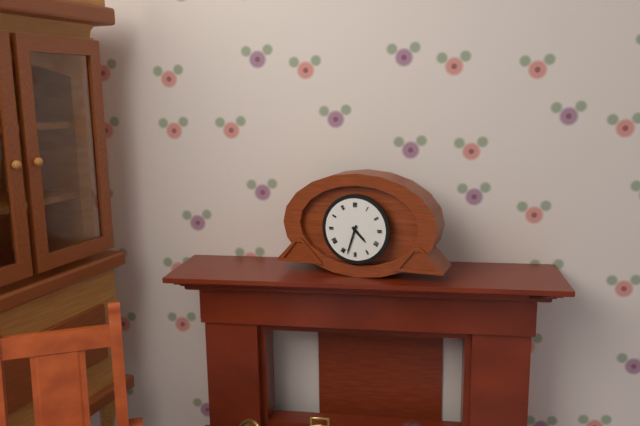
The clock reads 4:33
